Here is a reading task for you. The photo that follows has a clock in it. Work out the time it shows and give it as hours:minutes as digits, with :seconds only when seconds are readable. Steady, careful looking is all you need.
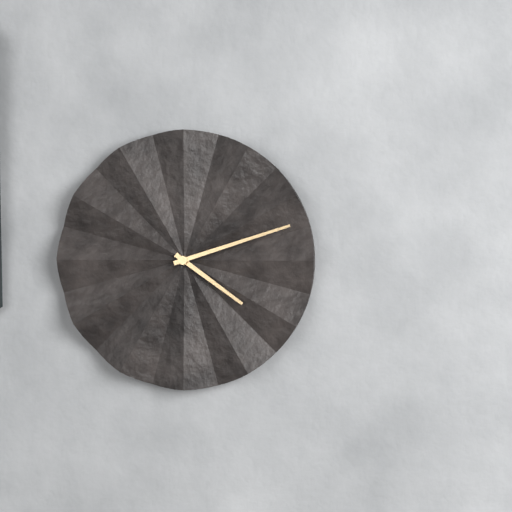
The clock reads 4:12
